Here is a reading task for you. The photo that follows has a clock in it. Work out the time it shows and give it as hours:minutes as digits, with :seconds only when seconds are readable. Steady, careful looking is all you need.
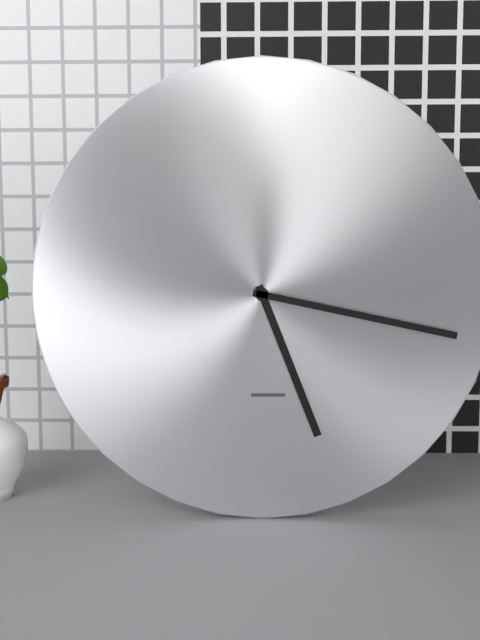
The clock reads 5:17
